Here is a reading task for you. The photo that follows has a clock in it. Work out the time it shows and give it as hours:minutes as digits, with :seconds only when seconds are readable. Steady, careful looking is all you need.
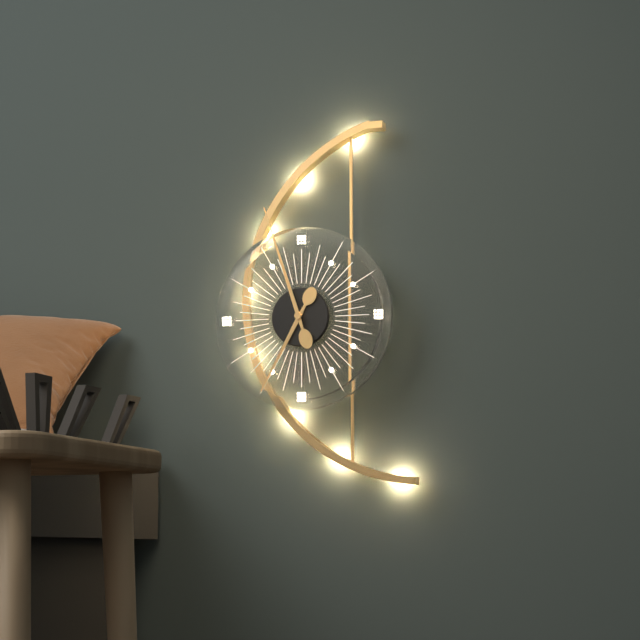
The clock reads 6:57
